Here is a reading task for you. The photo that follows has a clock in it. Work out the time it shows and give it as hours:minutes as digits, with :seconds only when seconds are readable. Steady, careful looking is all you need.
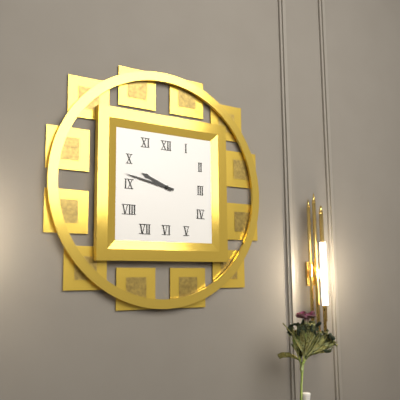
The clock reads 9:47
